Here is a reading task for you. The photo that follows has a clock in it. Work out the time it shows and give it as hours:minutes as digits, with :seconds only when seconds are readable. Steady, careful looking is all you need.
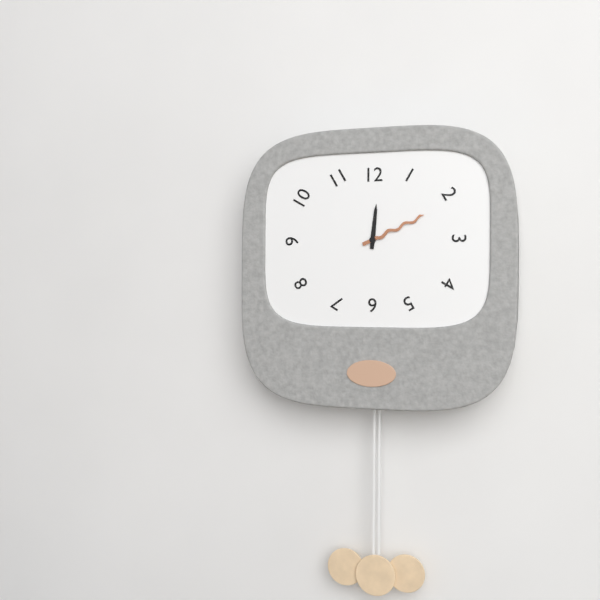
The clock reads 12:11
